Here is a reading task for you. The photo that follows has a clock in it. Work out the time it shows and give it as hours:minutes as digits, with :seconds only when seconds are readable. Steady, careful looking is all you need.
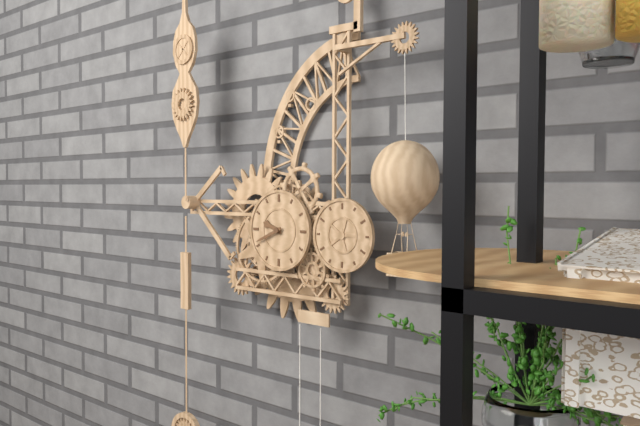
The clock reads 9:41
